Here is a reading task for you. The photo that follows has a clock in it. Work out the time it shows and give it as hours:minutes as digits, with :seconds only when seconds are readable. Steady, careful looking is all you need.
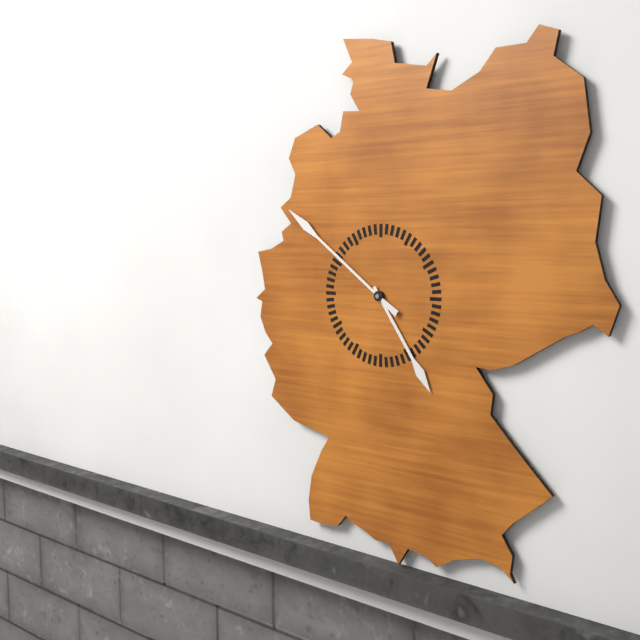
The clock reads 4:51
